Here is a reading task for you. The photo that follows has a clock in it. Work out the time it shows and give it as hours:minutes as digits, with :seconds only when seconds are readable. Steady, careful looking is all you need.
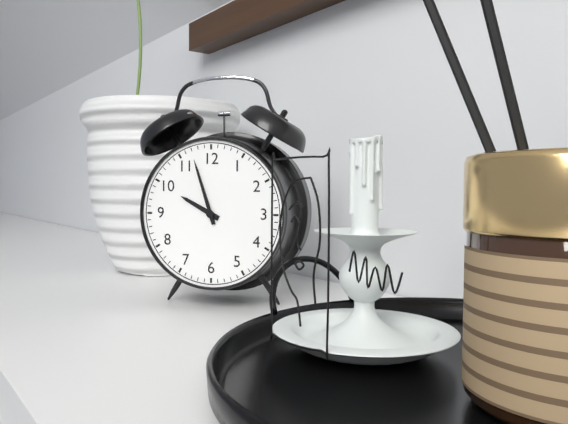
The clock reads 9:57
